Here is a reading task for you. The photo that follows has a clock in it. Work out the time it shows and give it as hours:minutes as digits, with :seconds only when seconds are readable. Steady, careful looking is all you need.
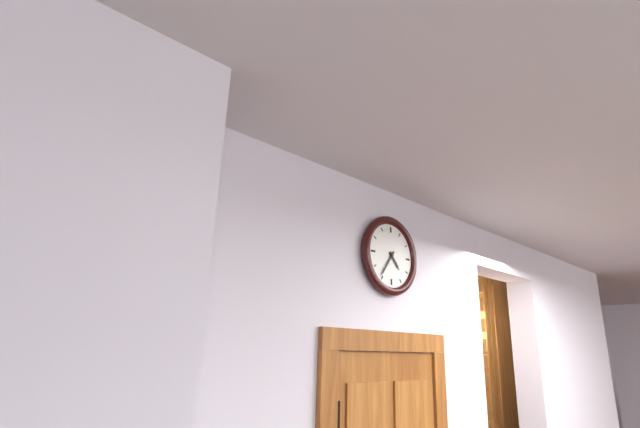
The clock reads 4:36
